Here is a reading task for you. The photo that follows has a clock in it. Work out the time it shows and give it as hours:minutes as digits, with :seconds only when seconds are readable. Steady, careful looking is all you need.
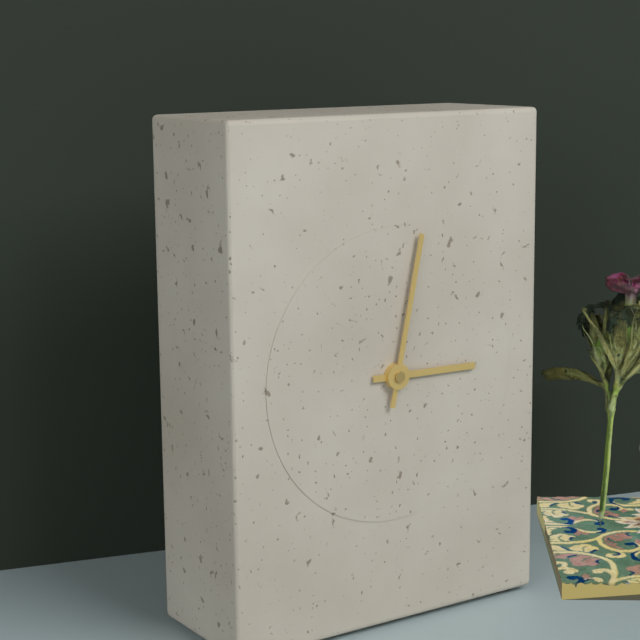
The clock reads 3:02
